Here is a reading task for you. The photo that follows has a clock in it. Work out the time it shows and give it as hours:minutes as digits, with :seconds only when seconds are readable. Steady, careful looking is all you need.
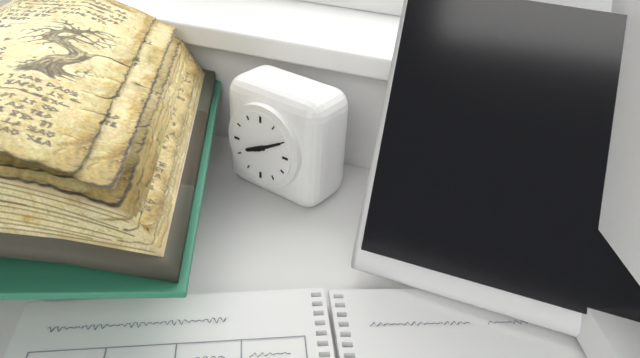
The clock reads 8:10
